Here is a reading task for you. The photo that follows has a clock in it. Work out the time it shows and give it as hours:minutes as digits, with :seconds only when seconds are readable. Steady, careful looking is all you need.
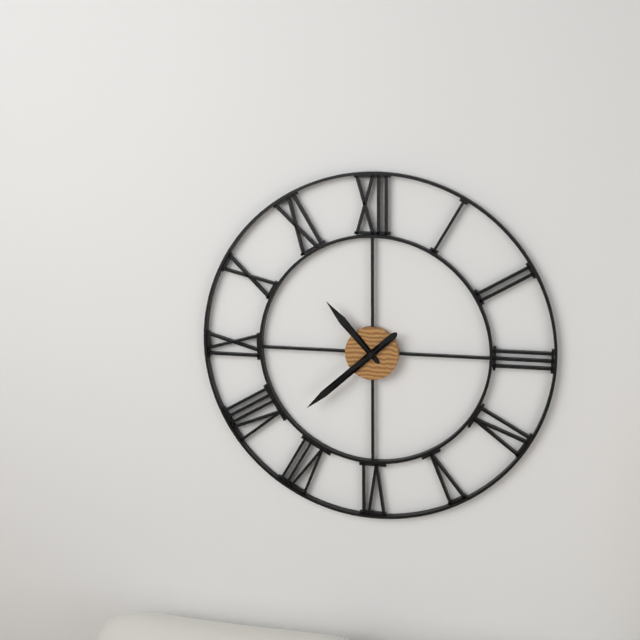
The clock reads 10:38
